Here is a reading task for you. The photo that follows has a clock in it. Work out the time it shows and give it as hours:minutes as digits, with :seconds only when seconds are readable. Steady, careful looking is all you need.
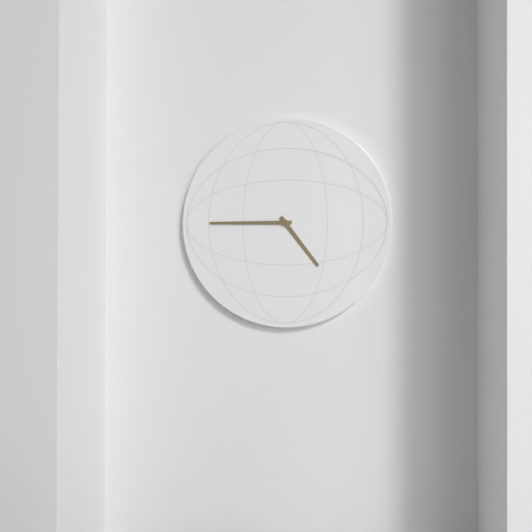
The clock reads 4:45
